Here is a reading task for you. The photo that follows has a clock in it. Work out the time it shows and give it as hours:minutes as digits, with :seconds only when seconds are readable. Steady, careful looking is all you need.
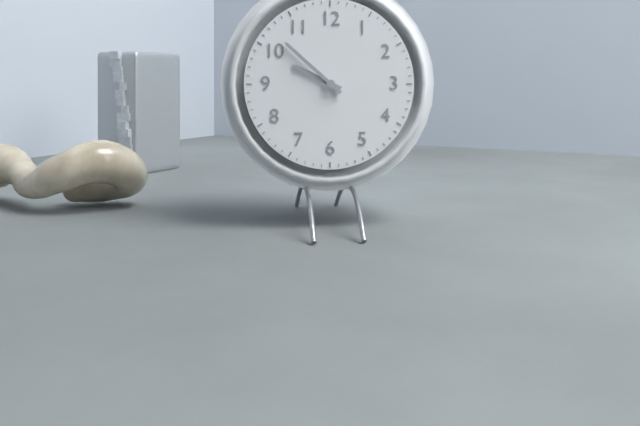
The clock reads 9:52
